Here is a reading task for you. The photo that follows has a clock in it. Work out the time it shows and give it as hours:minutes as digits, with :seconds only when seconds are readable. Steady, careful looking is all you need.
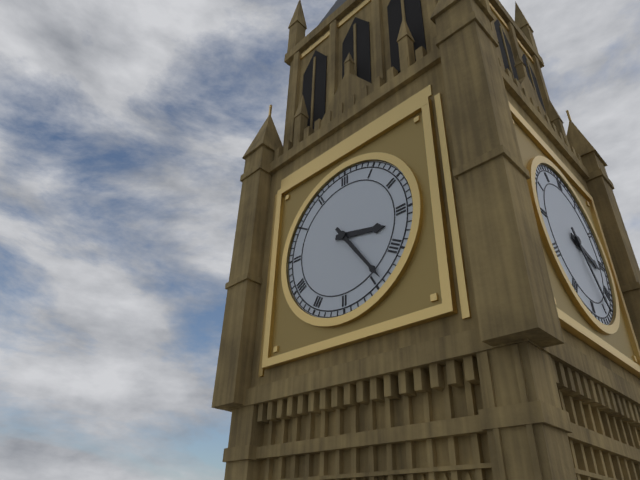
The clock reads 3:24
